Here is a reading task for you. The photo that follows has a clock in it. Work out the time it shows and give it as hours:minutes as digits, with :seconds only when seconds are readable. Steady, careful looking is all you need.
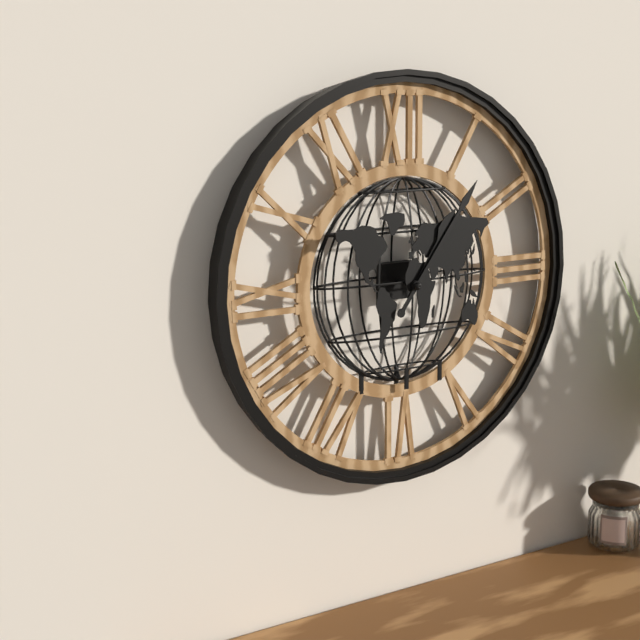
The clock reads 1:06
